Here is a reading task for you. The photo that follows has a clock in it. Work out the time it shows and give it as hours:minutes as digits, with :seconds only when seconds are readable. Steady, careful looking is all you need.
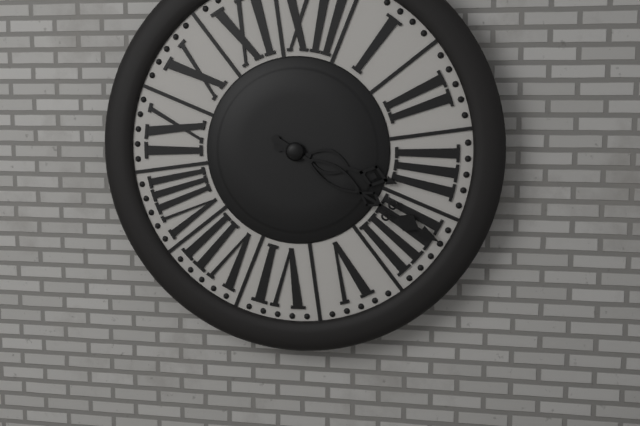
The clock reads 3:19
